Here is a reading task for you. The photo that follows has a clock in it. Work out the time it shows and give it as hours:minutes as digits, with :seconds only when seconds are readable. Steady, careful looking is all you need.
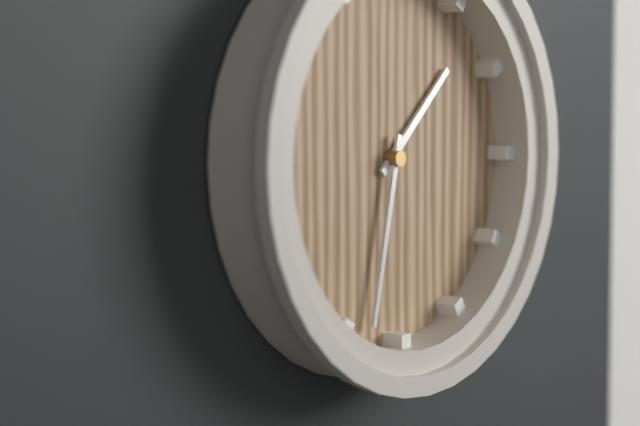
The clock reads 1:32
